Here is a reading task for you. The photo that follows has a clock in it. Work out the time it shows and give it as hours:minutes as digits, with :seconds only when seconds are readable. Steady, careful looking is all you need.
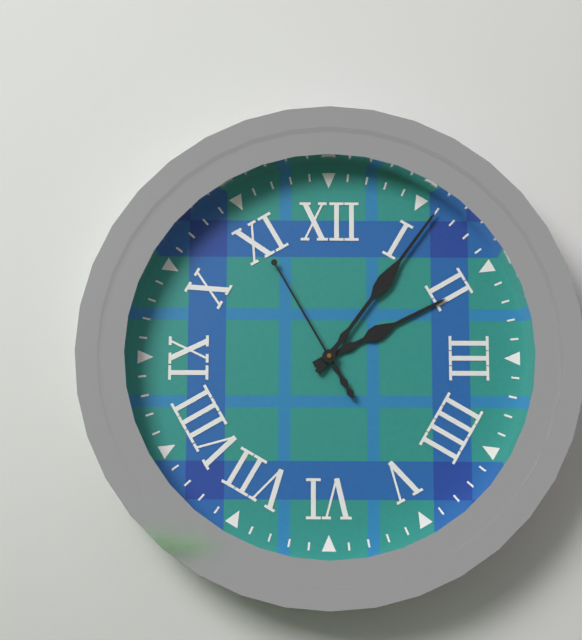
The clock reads 2:06:55
